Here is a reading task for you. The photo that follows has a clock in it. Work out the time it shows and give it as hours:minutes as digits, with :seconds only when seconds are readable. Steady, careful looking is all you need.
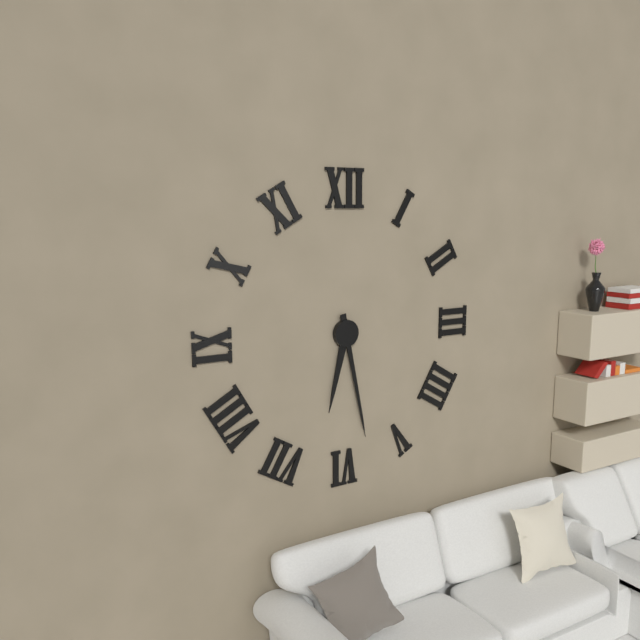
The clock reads 6:28
